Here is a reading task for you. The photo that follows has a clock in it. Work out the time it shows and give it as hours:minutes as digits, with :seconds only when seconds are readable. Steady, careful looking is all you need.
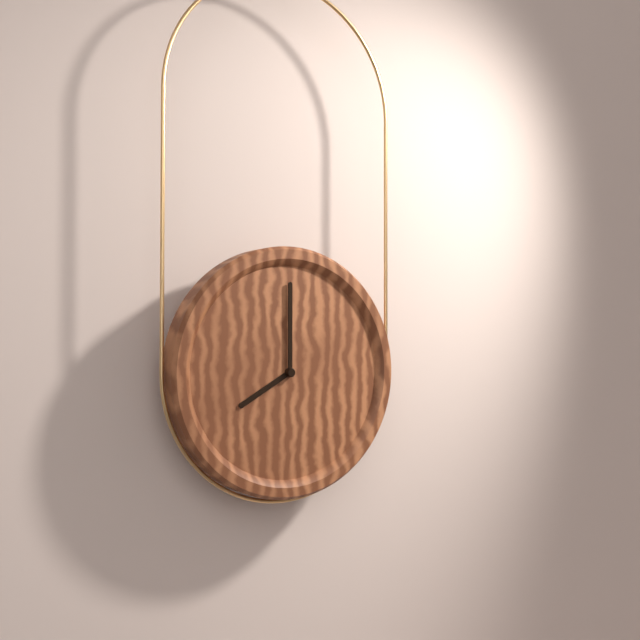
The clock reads 8:00
